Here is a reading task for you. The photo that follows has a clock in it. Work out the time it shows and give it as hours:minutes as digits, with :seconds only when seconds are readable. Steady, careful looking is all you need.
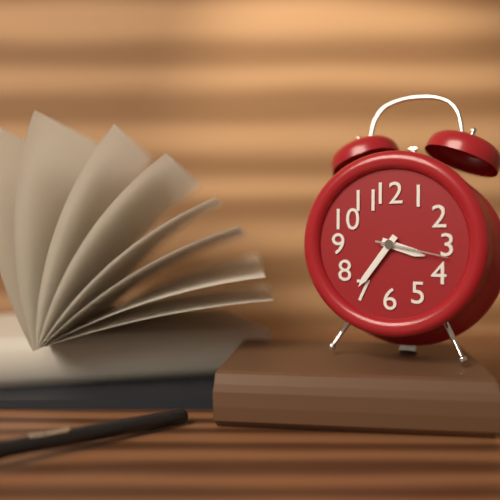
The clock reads 3:36:17
